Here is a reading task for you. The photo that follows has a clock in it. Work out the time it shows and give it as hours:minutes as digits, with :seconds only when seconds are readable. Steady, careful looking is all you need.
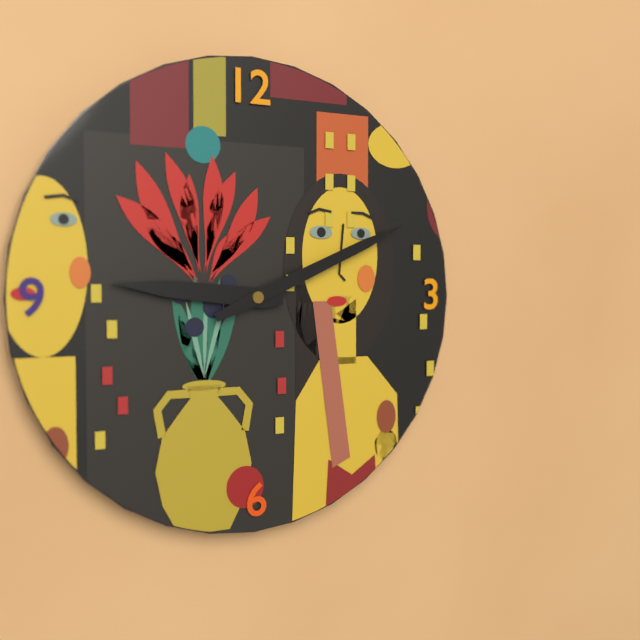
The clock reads 9:11
